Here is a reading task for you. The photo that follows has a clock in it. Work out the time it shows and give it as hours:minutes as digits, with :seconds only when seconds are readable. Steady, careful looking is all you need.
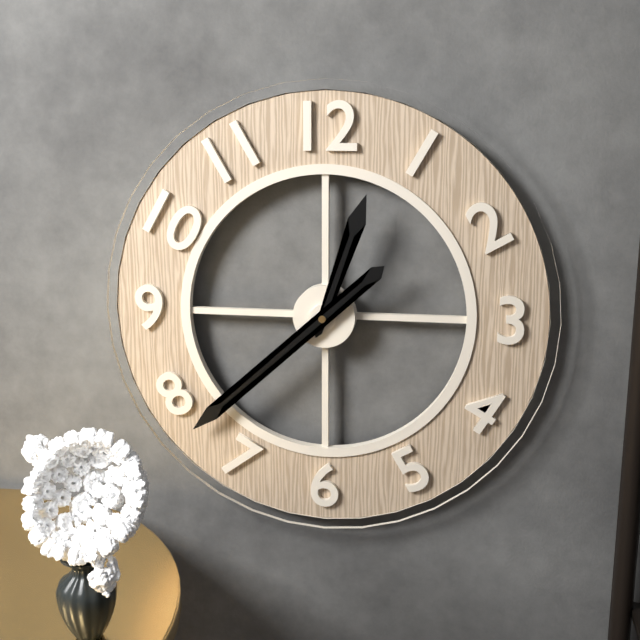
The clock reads 12:38
